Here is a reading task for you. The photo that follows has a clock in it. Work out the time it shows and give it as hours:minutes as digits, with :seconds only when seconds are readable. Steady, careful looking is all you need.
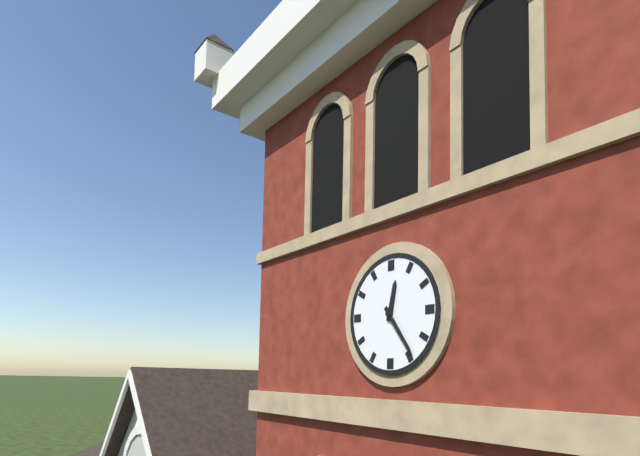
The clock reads 12:24
